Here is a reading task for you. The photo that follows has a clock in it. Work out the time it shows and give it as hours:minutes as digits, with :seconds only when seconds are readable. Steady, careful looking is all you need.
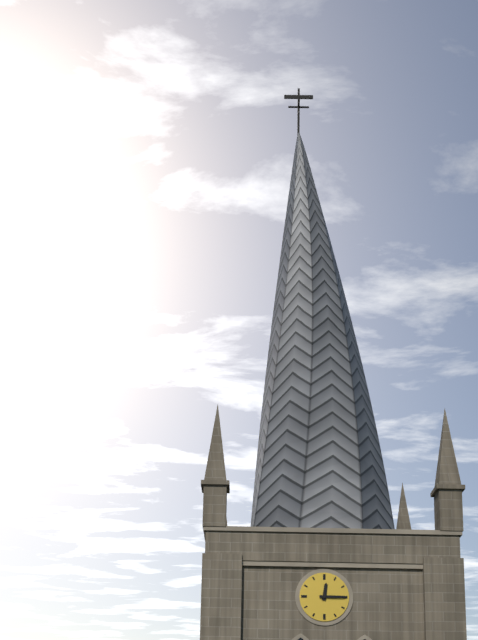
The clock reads 12:15
